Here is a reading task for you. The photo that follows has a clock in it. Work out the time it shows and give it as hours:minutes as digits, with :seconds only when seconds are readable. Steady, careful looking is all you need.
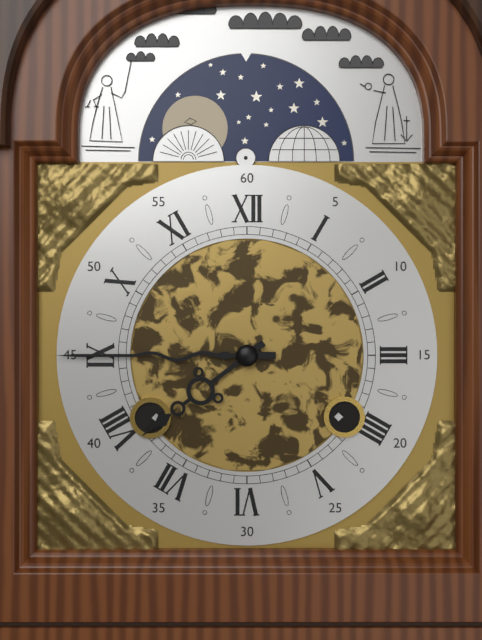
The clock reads 7:45
